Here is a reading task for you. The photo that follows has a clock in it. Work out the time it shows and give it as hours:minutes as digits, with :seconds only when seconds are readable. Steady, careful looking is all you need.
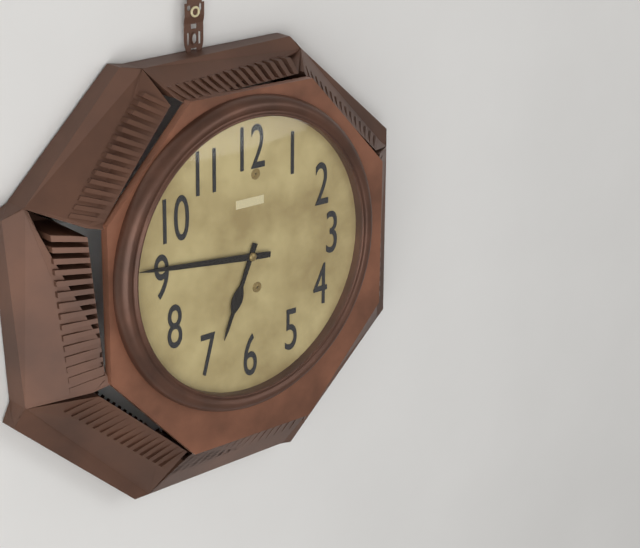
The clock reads 6:46
